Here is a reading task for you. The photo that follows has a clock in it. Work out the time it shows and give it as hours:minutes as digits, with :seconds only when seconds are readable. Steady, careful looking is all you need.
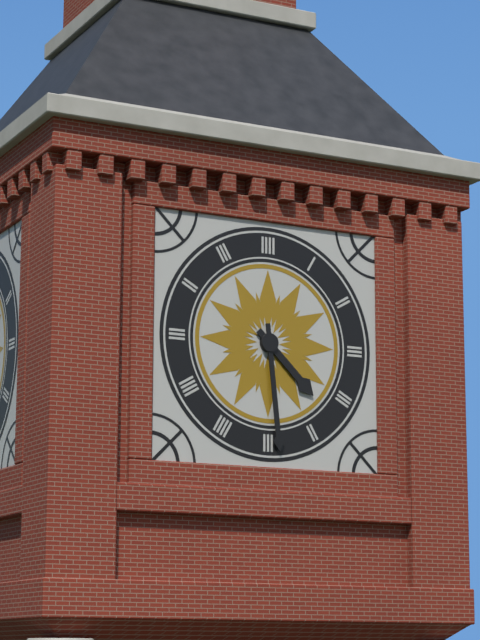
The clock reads 4:29
